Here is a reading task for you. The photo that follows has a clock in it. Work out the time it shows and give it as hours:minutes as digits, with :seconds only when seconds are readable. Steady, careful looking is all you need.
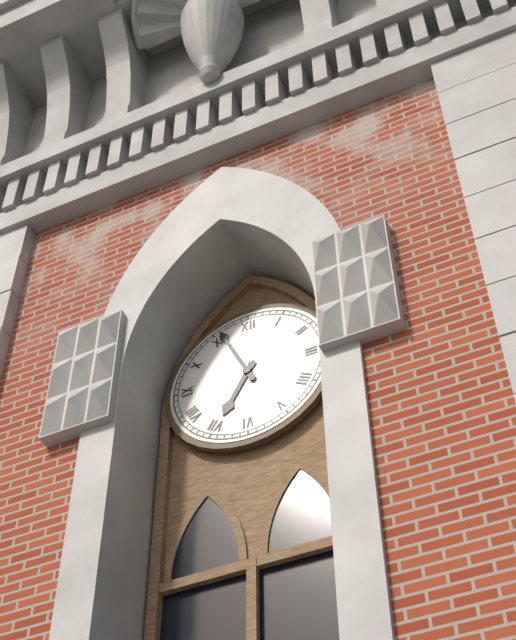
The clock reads 6:56
